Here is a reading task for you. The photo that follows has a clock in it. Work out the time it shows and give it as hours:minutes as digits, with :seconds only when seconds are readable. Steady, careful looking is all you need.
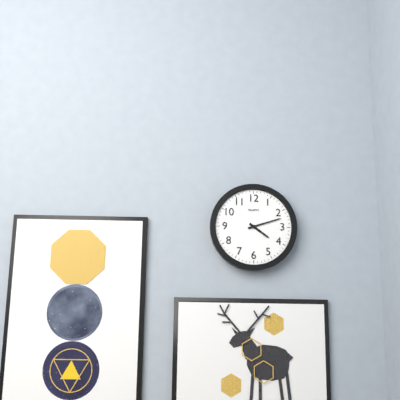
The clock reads 4:12
